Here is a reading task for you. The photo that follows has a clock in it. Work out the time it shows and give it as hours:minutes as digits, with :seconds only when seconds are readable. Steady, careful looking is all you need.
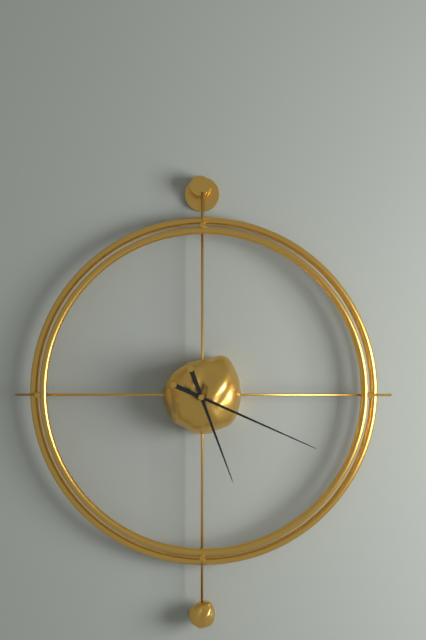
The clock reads 5:19
